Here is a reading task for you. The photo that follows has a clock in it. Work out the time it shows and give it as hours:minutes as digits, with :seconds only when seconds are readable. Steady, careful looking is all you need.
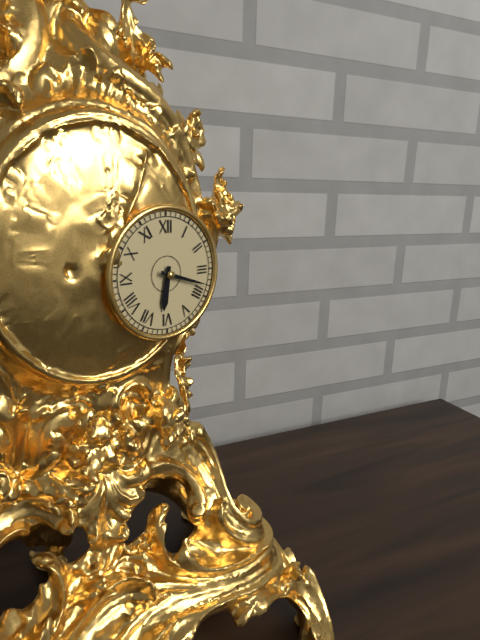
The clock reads 6:18
